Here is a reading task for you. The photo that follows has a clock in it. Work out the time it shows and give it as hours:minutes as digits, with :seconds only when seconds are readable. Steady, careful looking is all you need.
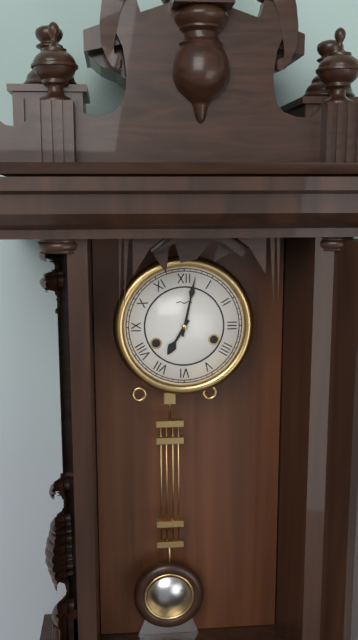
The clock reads 7:02
